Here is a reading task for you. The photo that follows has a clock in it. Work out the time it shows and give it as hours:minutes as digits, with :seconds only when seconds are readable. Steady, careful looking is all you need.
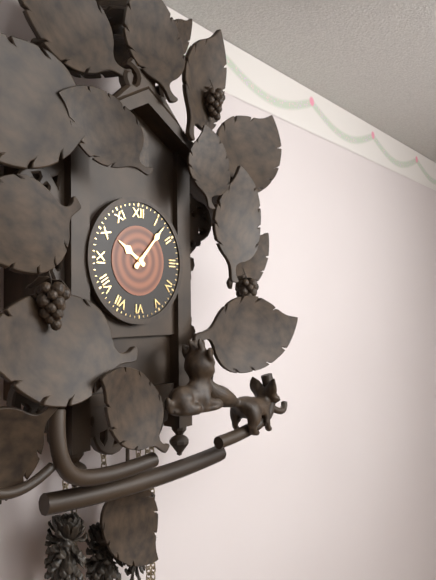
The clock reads 10:07
